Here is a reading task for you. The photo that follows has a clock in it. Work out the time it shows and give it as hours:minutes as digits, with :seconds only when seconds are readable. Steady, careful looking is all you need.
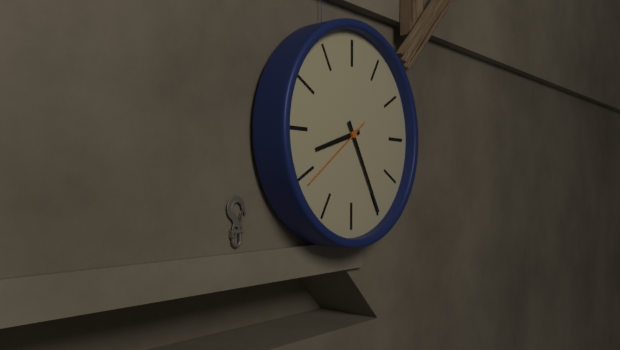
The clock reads 8:25:39
